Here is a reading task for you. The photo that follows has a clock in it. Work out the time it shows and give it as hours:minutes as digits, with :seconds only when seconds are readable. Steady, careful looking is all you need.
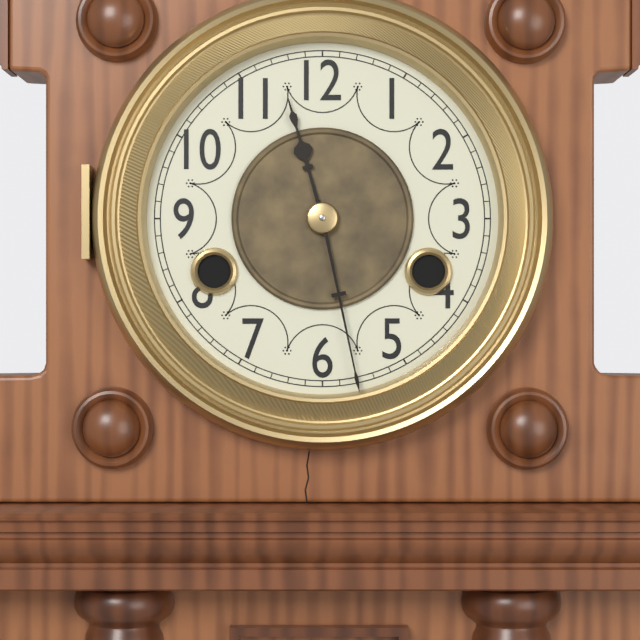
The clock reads 11:28
